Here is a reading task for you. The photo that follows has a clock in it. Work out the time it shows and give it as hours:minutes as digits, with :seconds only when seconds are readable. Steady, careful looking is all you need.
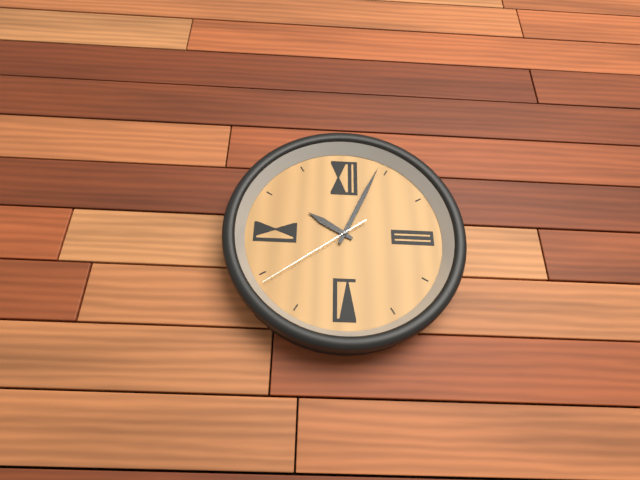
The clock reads 10:04:39
